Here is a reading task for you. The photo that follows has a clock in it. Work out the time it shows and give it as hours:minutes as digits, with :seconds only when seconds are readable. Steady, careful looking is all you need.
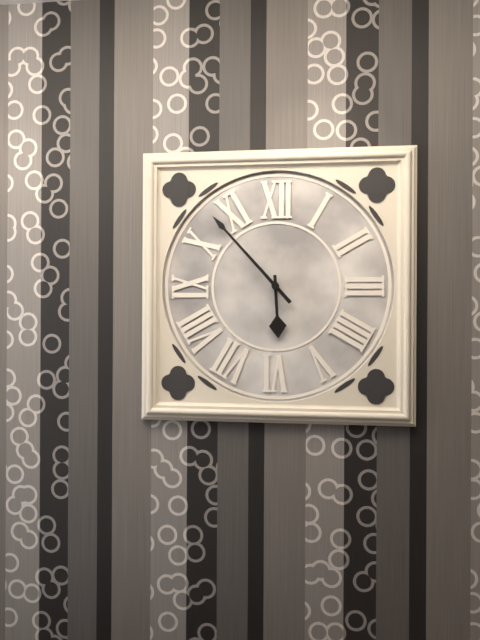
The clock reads 5:53
